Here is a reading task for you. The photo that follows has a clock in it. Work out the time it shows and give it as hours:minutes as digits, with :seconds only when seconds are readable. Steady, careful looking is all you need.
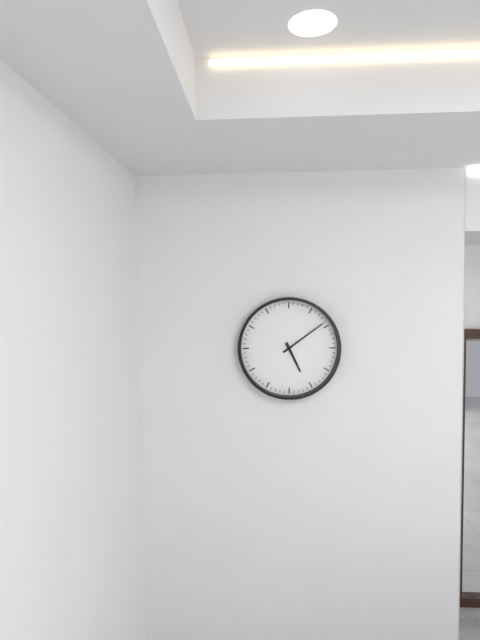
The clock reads 5:09
